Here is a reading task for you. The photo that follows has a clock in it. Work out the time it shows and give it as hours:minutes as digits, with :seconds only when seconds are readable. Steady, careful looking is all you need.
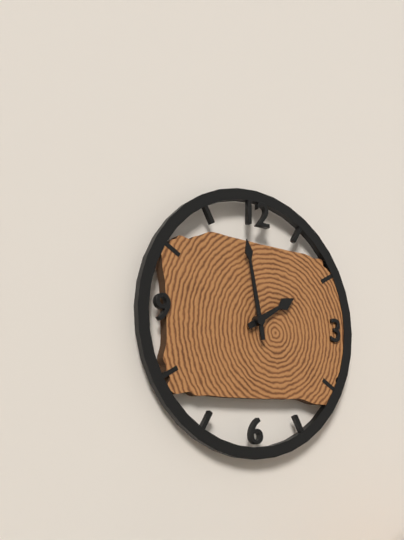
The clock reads 1:58
